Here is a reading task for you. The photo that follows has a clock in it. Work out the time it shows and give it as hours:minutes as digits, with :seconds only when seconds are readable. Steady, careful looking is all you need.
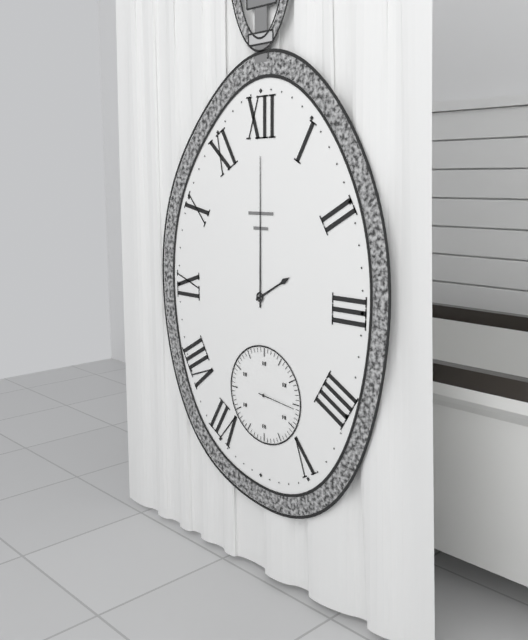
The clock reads 2:00
